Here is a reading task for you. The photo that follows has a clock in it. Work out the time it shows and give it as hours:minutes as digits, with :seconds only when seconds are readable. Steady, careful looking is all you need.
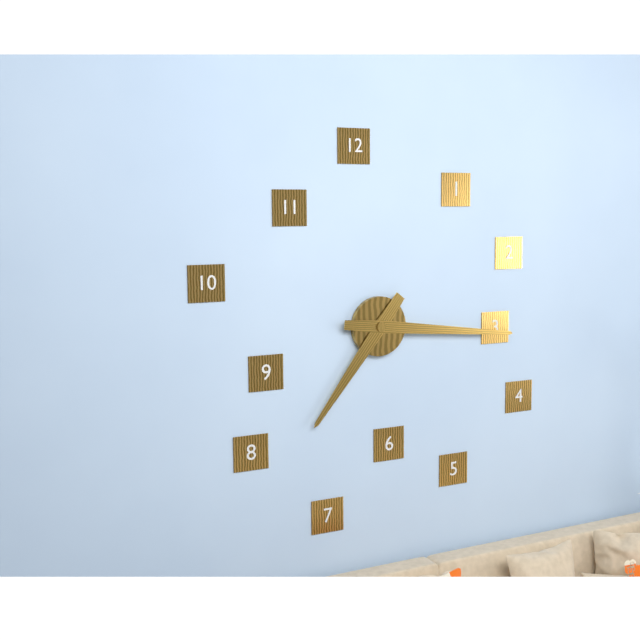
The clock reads 7:16
